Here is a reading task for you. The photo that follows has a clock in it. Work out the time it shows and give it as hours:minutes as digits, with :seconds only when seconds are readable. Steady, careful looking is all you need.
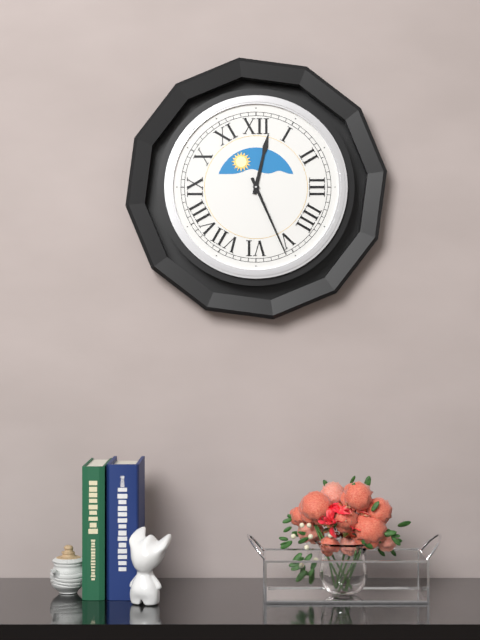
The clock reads 12:26
